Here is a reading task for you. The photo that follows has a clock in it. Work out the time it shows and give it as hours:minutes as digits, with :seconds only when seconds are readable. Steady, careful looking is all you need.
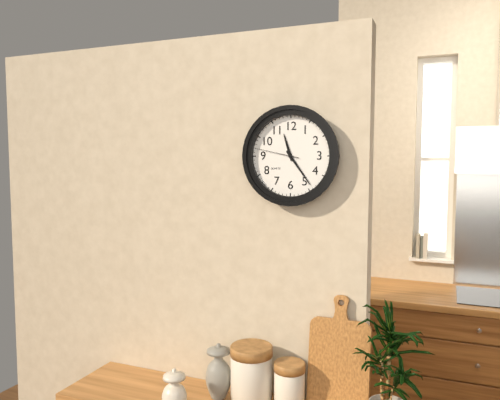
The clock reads 11:24
